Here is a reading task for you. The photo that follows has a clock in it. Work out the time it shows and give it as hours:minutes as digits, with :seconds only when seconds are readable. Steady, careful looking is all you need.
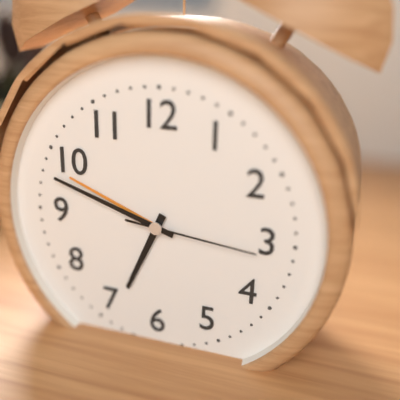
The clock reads 6:48:16
